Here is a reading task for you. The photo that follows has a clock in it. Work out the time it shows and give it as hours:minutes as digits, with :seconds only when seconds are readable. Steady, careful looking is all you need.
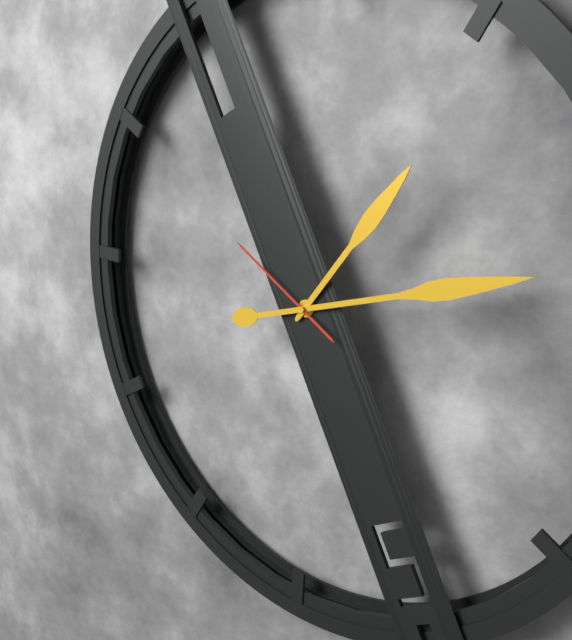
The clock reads 1:12:50
